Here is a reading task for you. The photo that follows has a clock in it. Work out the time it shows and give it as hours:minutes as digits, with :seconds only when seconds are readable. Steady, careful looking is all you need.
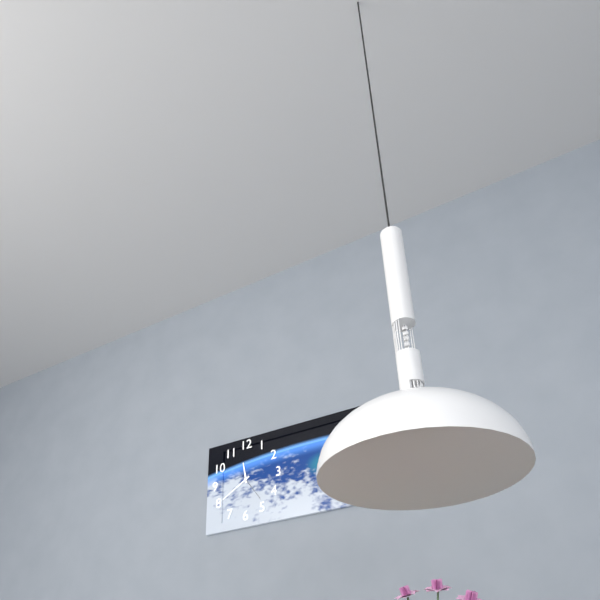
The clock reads 11:40
